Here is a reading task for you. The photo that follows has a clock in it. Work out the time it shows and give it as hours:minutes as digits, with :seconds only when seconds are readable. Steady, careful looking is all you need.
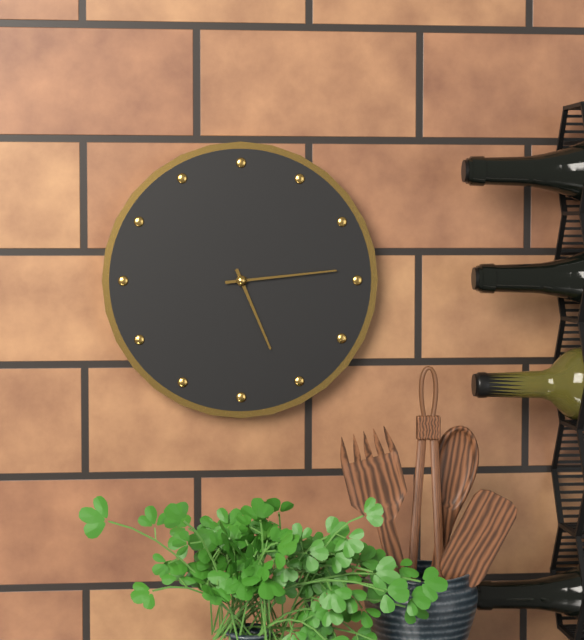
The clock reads 5:14
